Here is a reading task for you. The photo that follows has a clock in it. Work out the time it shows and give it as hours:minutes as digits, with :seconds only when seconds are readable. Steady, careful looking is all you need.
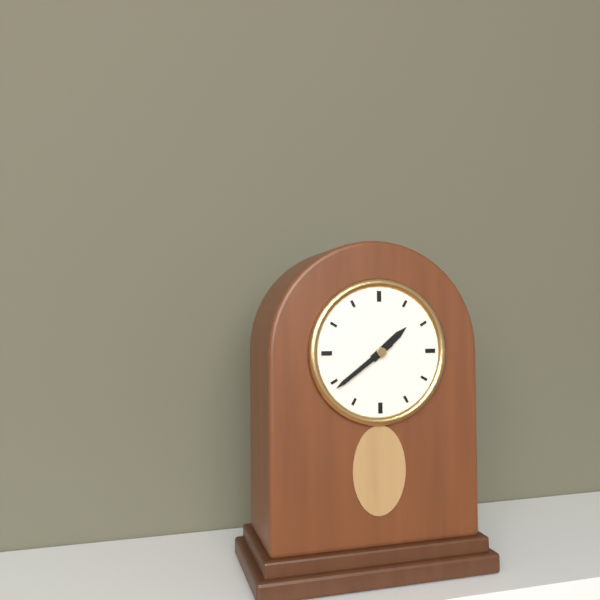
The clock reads 1:39
